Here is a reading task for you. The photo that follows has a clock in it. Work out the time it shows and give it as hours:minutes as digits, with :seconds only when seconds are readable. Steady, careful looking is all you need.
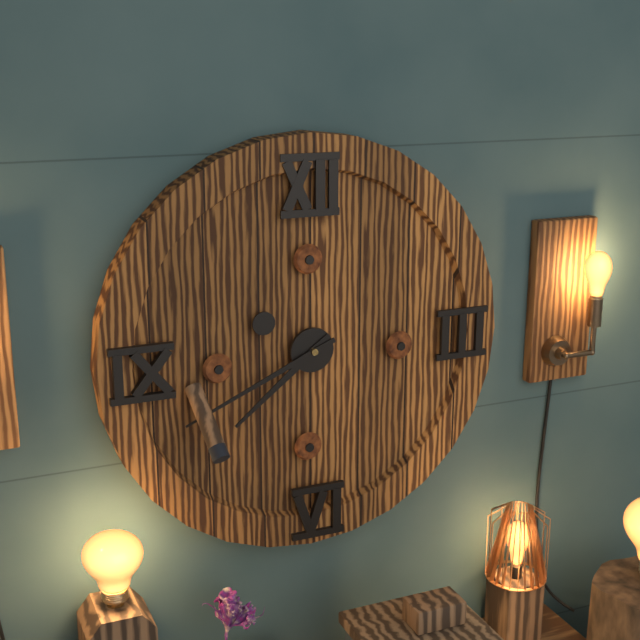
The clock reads 7:41
